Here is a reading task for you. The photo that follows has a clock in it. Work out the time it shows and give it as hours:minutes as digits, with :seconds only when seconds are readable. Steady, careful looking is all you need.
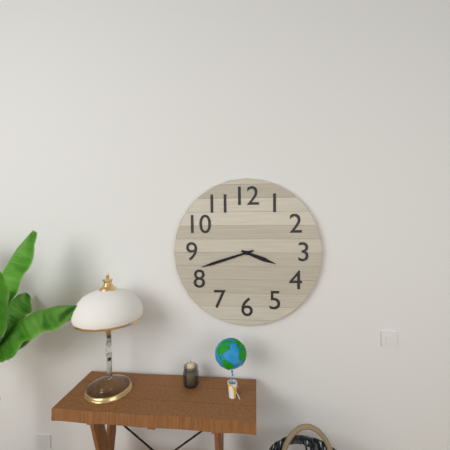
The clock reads 3:42
